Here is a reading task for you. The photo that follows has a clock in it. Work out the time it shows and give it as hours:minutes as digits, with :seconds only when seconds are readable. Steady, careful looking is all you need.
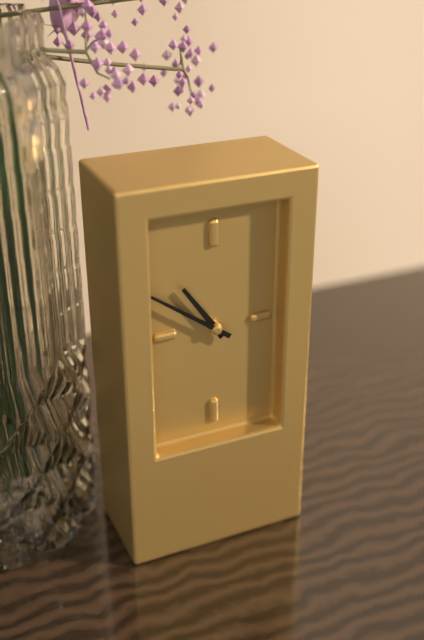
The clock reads 10:51
